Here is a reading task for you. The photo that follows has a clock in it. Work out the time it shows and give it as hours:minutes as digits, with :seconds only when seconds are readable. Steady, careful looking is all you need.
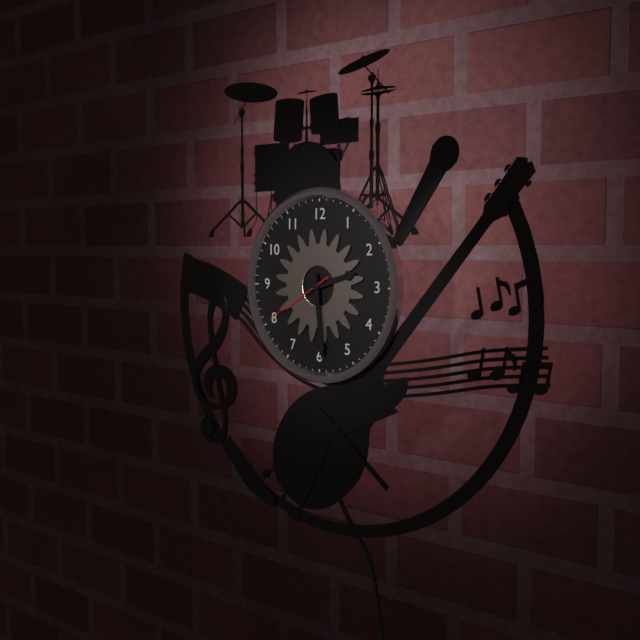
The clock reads 2:29:40
